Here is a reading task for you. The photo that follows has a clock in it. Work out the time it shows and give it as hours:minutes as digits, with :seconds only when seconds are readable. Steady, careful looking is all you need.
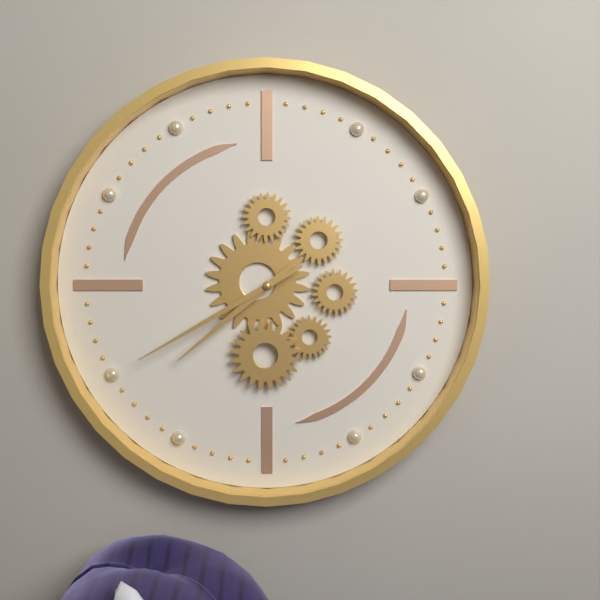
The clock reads 7:40
